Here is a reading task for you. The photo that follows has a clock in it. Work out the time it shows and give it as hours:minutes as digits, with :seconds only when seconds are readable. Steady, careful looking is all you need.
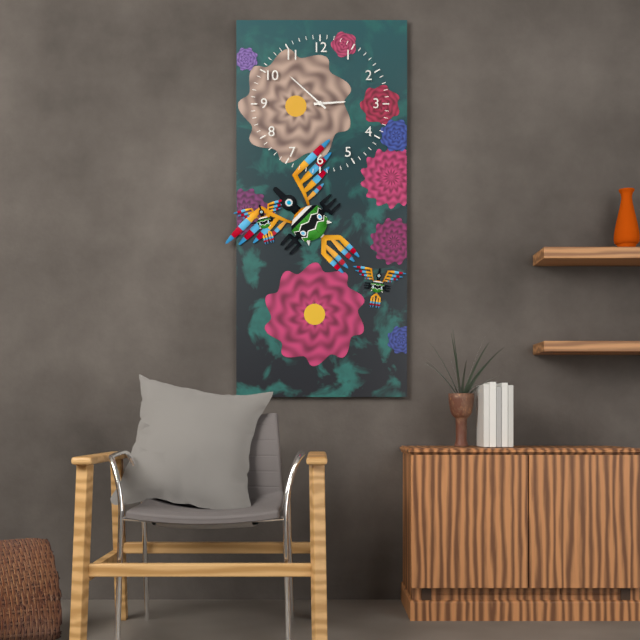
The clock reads 2:52
